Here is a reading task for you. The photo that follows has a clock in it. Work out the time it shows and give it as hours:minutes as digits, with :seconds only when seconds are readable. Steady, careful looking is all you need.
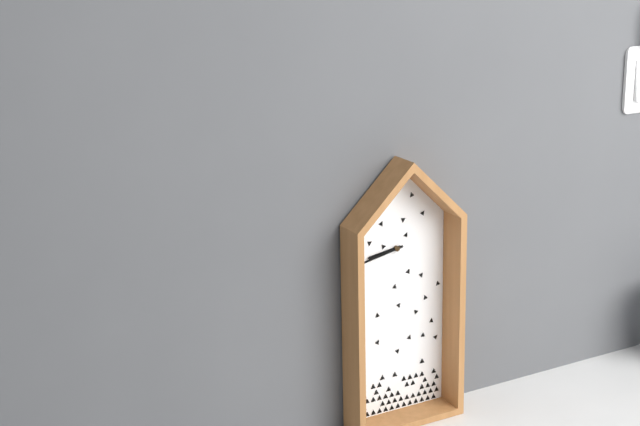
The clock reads 8:43
